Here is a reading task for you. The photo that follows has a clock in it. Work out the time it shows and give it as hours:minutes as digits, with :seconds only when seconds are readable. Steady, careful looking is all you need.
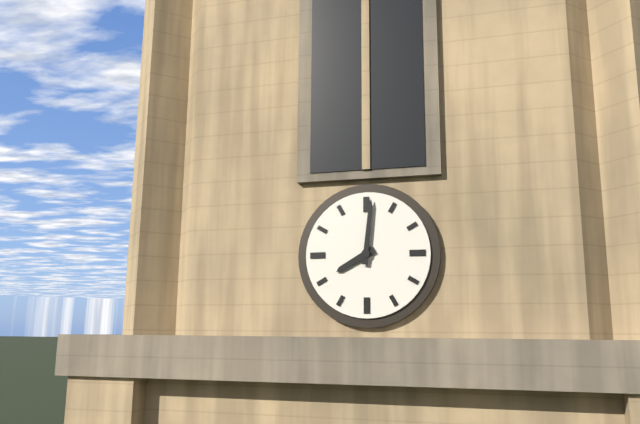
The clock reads 8:01
